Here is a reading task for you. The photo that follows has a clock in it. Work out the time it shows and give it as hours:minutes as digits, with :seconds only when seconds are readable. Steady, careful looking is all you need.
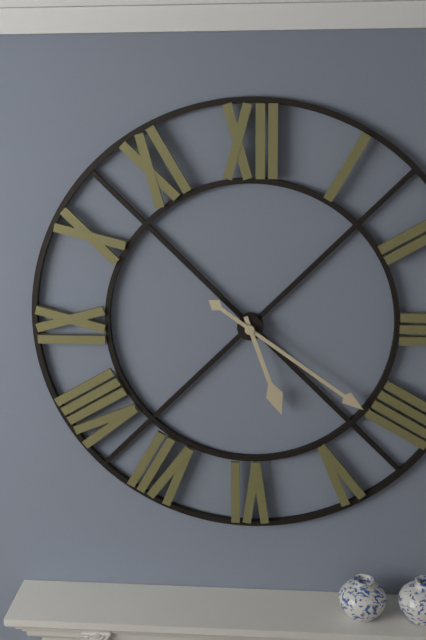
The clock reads 5:21
